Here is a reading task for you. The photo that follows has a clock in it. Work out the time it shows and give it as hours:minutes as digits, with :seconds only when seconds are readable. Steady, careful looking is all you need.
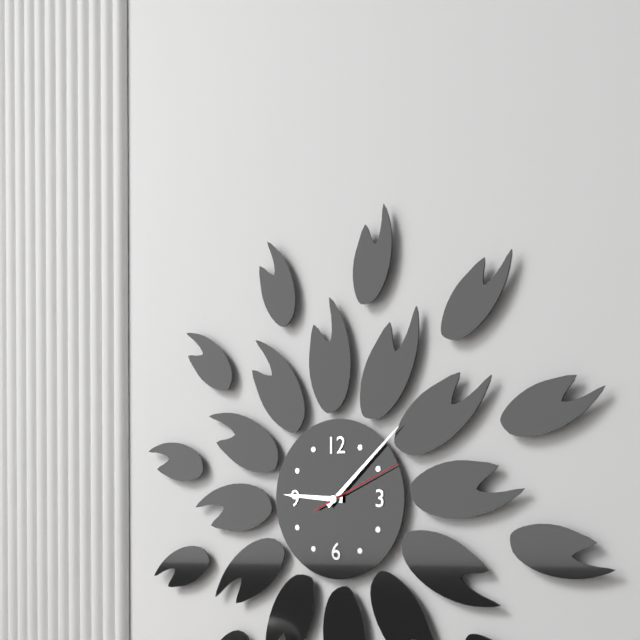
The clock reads 9:08:11
